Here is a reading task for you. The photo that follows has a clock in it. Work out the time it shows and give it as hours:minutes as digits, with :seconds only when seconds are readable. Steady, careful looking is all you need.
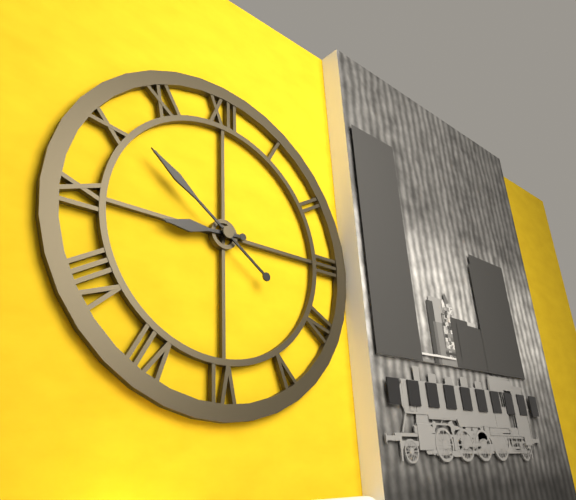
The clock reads 8:51
